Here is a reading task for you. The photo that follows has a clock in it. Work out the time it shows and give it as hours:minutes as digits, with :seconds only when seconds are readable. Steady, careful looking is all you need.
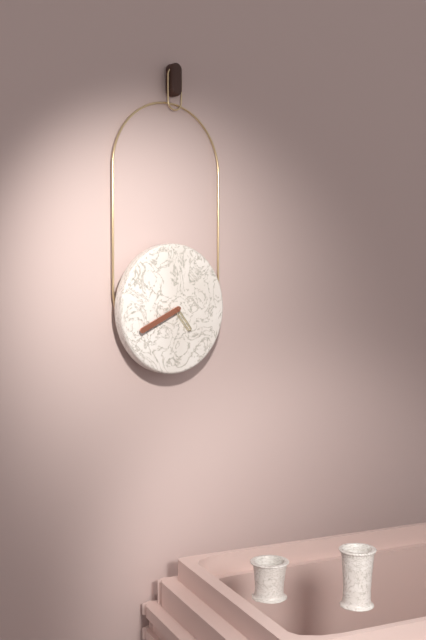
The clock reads 4:41
